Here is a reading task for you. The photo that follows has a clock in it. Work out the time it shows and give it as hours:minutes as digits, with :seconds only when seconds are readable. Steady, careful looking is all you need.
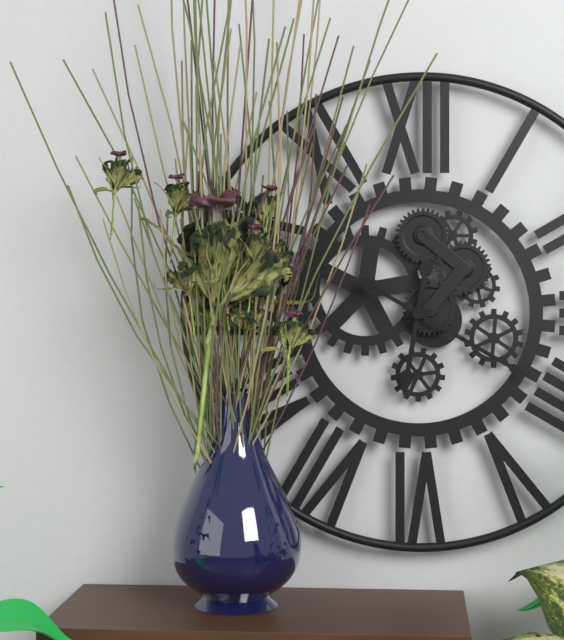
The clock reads 6:20
